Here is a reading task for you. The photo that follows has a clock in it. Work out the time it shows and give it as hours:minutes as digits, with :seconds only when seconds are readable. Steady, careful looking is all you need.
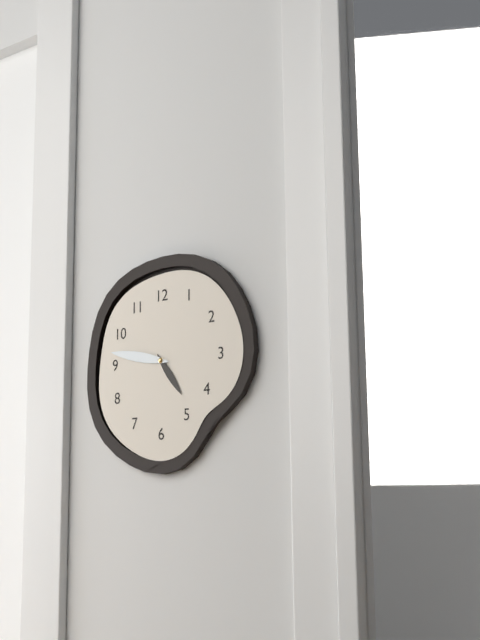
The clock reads 4:47
